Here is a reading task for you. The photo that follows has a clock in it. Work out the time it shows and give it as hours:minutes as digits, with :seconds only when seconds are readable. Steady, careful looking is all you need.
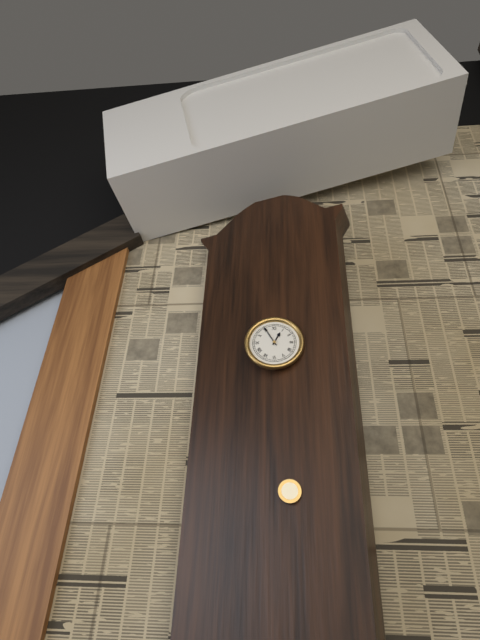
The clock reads 12:55
